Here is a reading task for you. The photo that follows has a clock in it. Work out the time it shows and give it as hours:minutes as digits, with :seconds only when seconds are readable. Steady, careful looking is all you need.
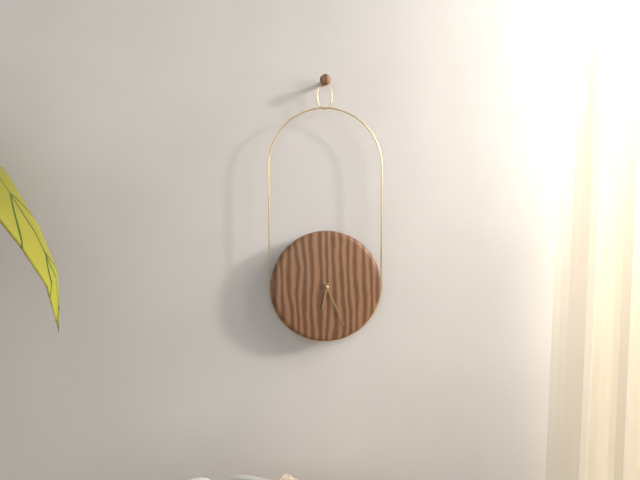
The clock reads 6:26
